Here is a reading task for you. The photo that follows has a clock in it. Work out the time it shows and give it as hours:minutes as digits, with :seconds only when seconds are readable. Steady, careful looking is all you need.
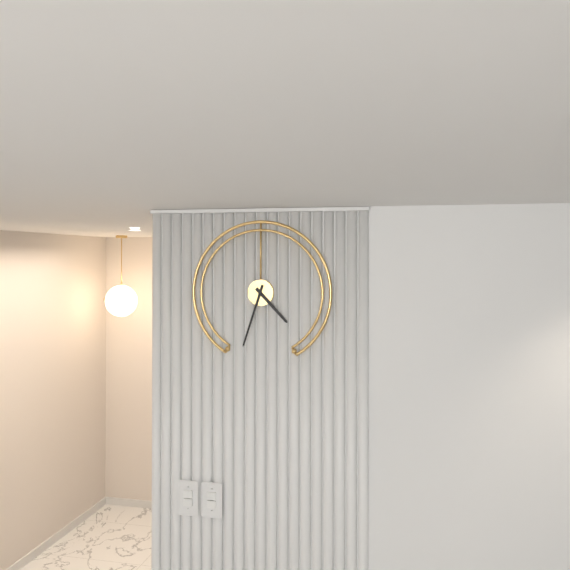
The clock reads 4:33
